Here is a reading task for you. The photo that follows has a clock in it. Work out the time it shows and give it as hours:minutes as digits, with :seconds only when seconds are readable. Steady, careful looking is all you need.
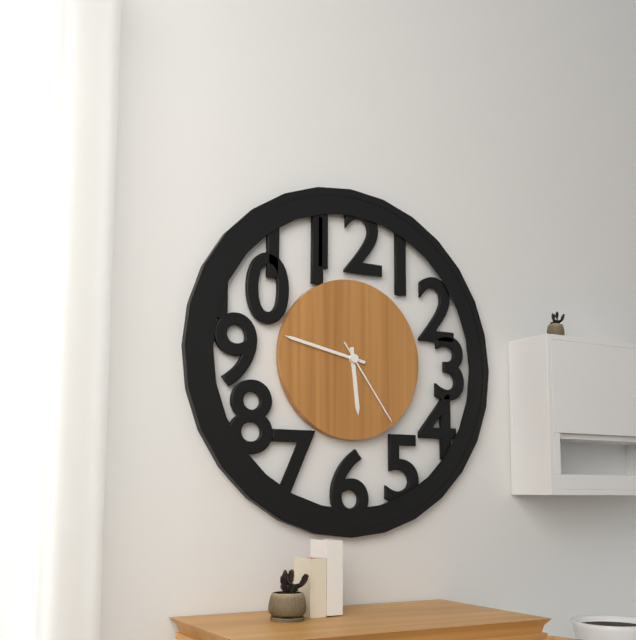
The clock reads 5:47:24
